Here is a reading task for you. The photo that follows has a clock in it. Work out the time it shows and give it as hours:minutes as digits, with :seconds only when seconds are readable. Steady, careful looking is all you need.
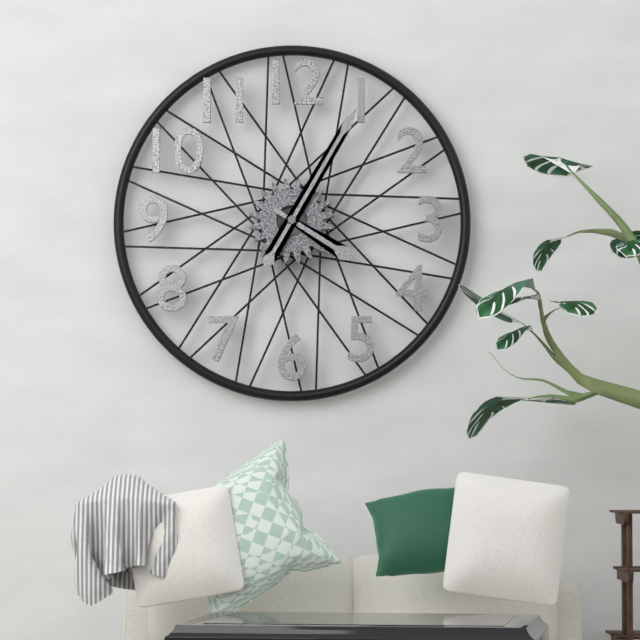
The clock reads 4:05
